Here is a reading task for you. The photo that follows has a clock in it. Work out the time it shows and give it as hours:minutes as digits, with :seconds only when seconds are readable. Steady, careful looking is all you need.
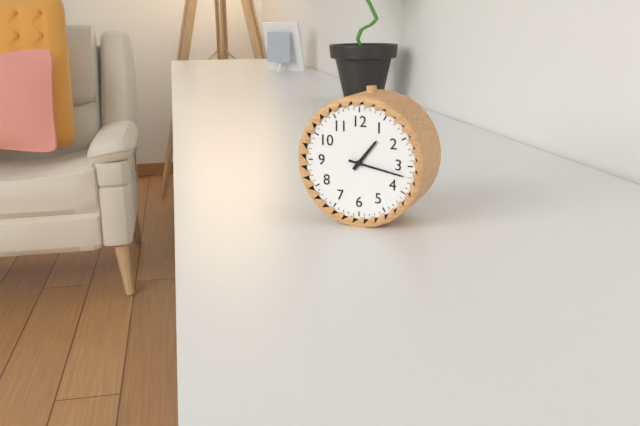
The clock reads 1:17
